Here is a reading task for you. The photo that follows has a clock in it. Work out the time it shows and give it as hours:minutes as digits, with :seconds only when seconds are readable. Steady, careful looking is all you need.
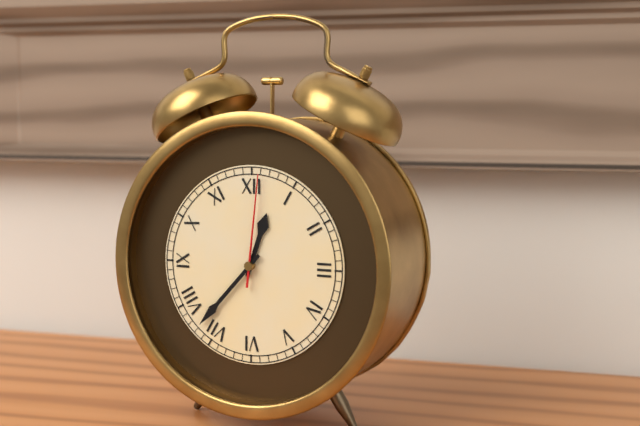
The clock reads 12:37:01
